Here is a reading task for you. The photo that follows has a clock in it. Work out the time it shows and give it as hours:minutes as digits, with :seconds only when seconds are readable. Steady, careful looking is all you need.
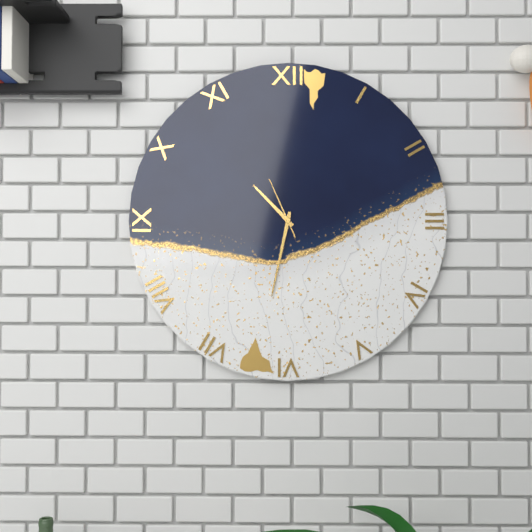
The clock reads 10:32:56
